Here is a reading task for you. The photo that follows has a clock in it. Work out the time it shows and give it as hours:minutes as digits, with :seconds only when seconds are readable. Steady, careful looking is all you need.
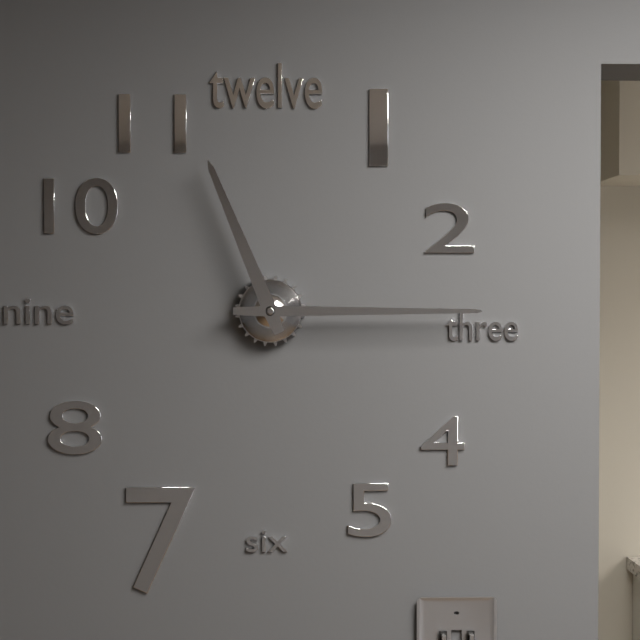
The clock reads 11:15
